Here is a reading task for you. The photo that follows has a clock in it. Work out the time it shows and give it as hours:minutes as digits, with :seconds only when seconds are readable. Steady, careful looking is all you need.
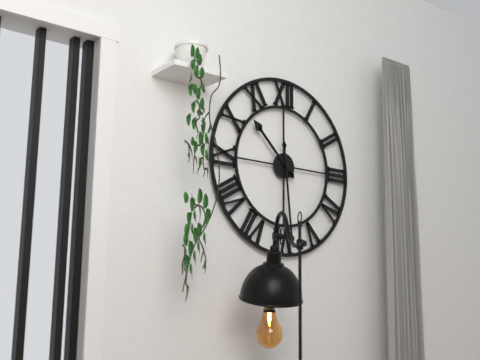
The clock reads 10:29
